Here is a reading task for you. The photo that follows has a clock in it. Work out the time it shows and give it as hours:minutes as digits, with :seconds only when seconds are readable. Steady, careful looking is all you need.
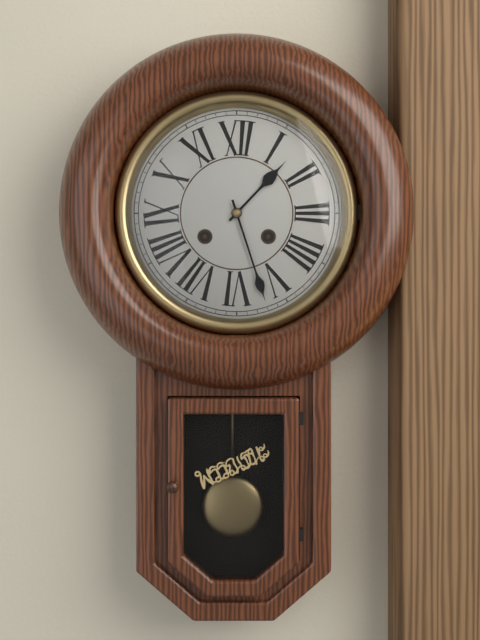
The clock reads 1:27
